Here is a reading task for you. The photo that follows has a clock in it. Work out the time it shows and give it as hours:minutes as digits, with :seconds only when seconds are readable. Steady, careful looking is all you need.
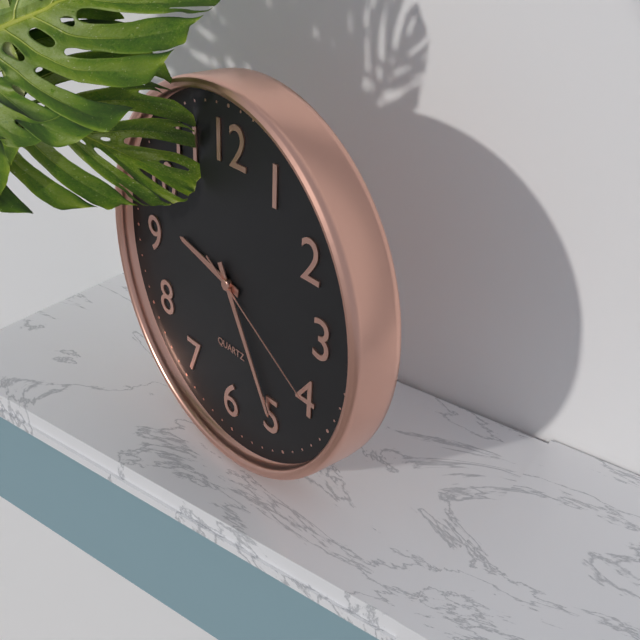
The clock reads 9:25:20
